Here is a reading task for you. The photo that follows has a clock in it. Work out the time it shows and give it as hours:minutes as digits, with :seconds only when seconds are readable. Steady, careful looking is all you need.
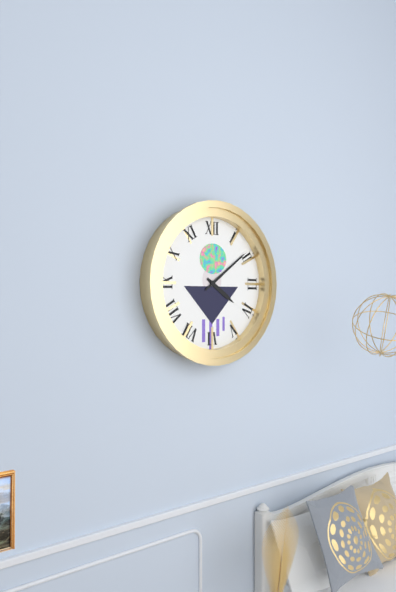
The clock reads 4:09
